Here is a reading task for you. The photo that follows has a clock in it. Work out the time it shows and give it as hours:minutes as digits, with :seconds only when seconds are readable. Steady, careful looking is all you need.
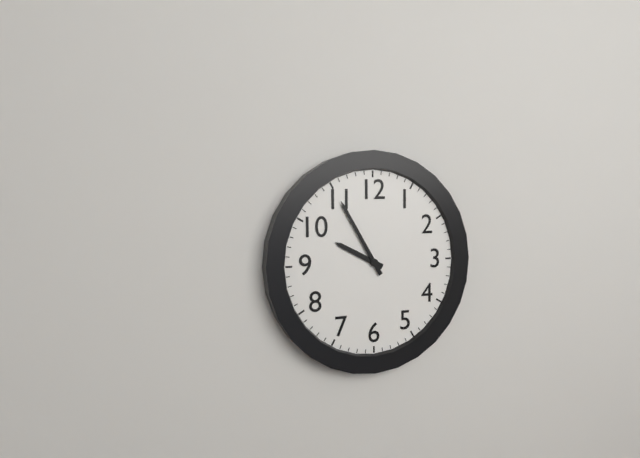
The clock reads 9:55
